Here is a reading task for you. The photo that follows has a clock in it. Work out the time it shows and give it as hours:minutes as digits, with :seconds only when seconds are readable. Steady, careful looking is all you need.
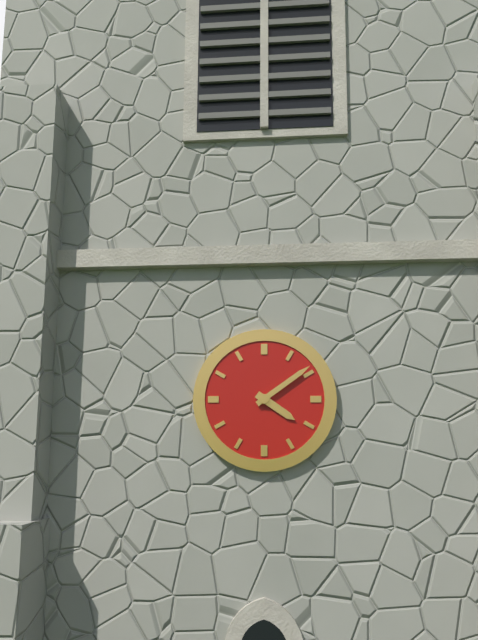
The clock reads 4:09
